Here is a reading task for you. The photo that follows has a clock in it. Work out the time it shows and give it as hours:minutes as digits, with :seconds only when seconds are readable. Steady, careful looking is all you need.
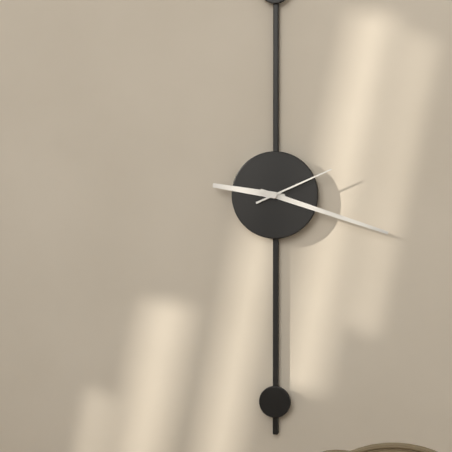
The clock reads 9:18:11
